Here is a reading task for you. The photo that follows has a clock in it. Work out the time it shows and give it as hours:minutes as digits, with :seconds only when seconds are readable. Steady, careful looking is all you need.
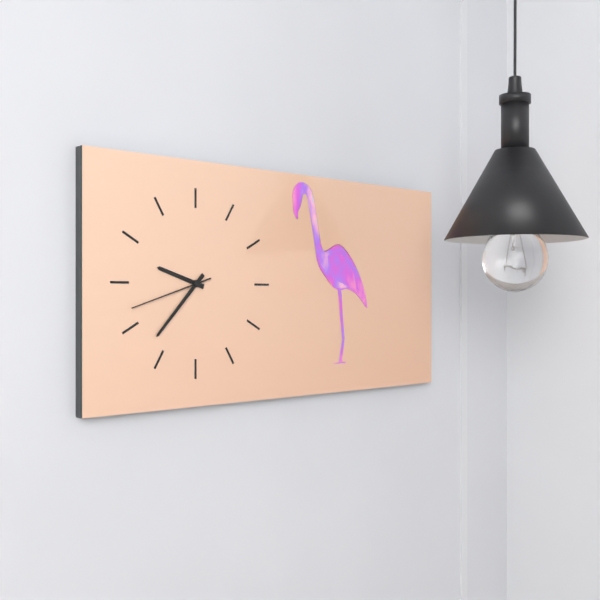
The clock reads 9:37:42
